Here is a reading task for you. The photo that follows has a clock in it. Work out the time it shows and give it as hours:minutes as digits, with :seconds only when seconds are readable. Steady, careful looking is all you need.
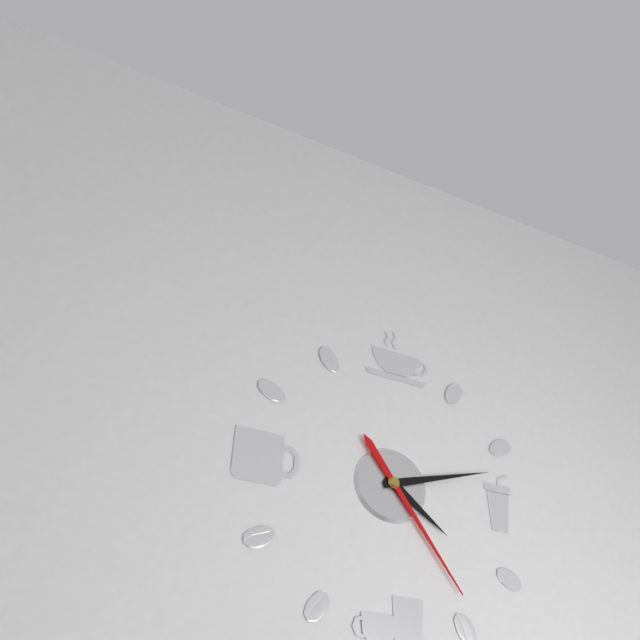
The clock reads 4:12:24
